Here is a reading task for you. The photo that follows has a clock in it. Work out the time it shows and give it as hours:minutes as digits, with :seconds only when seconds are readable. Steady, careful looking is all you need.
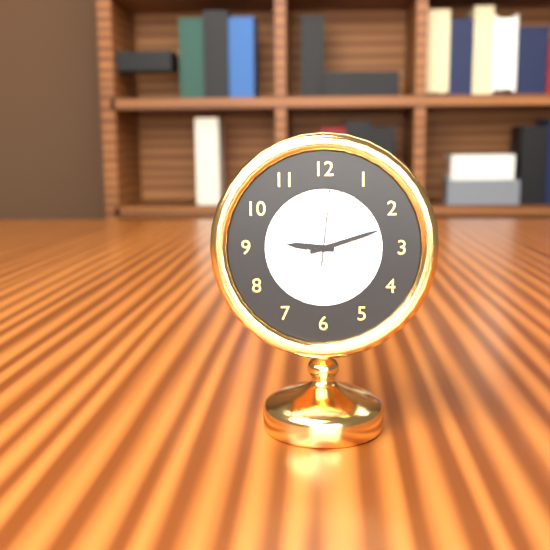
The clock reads 9:12:01
